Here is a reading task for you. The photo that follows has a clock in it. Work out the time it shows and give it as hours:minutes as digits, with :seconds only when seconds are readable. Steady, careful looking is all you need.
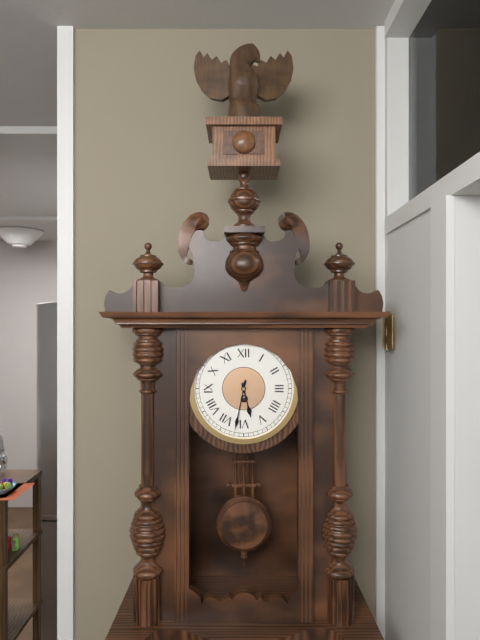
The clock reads 5:32
